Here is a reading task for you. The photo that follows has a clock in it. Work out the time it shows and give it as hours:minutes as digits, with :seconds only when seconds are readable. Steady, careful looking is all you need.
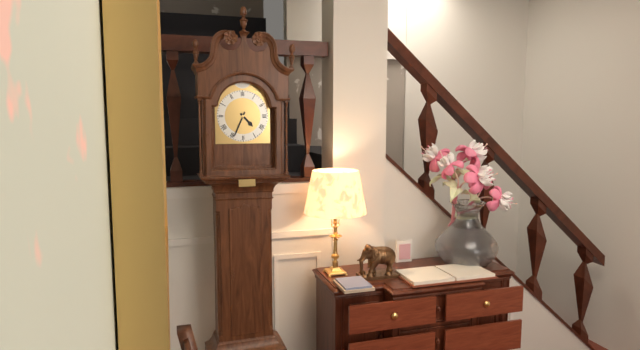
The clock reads 4:34
